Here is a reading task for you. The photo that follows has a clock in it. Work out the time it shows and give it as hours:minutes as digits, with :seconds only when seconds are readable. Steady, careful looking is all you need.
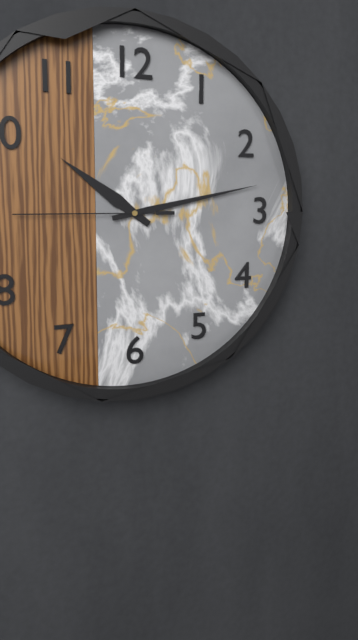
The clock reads 10:13:45
